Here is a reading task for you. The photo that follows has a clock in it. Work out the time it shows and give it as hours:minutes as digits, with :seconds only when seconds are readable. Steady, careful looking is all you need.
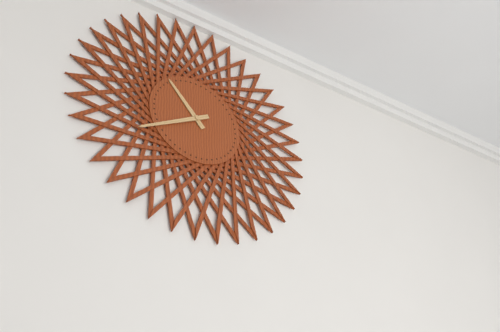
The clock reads 10:40
